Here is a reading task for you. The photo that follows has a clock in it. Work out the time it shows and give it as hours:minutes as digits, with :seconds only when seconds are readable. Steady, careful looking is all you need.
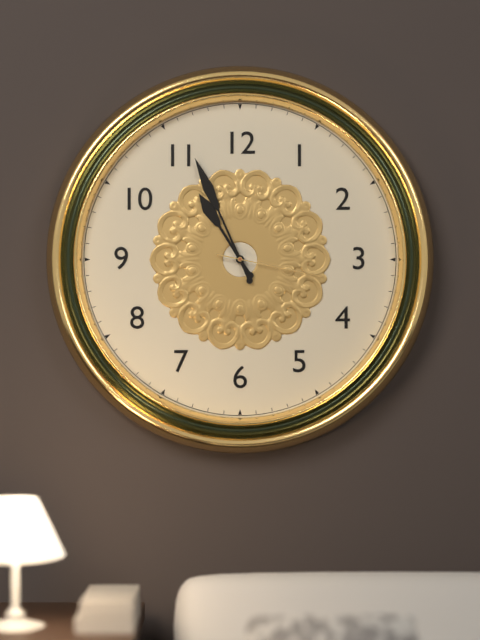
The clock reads 10:56:17
